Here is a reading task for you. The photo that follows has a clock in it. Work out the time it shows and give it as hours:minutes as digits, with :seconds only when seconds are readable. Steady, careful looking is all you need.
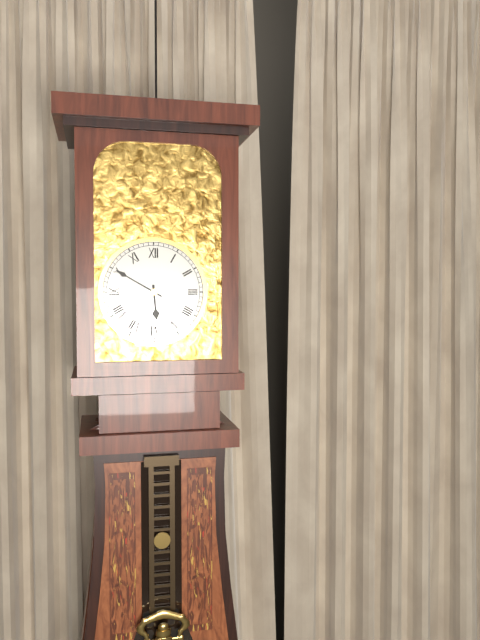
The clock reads 5:50
